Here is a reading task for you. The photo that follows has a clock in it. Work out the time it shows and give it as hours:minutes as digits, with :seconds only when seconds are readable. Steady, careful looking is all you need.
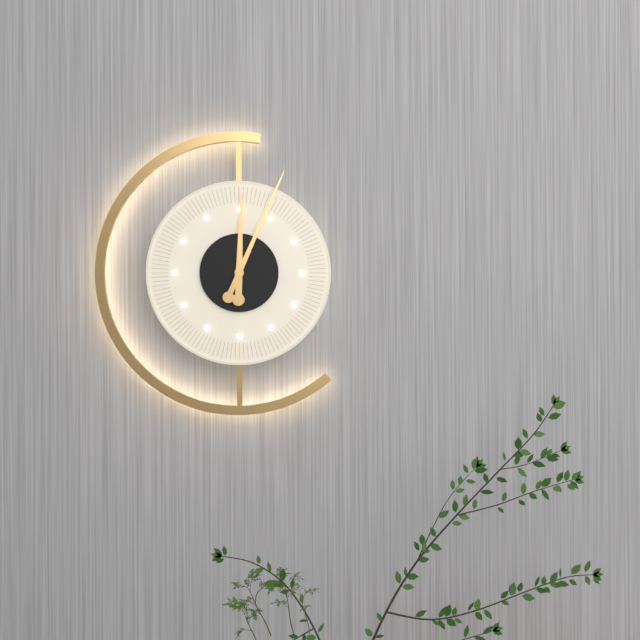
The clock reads 12:04
